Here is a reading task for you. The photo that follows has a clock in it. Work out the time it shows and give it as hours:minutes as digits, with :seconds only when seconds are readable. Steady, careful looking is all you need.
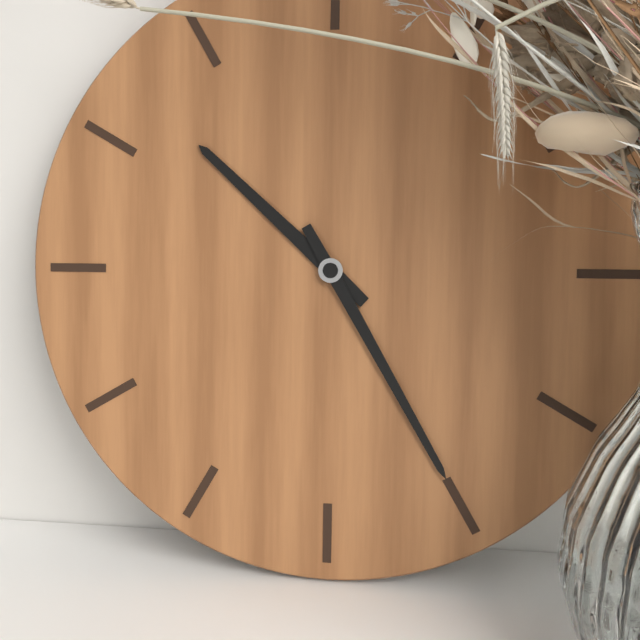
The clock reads 10:25
